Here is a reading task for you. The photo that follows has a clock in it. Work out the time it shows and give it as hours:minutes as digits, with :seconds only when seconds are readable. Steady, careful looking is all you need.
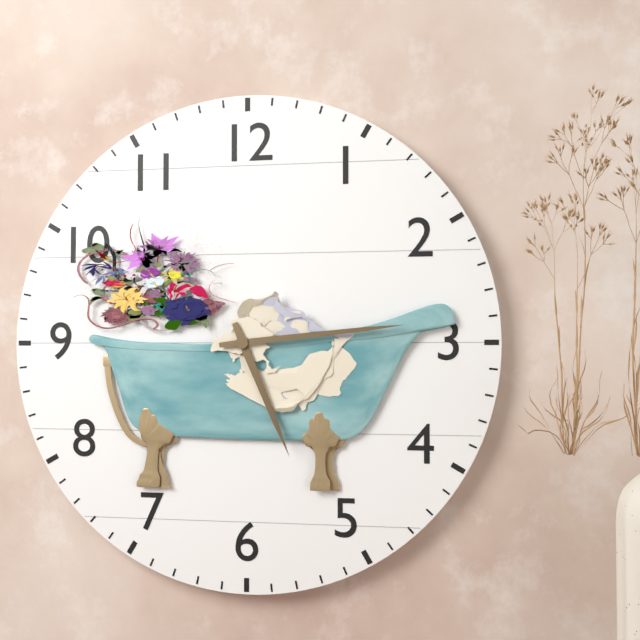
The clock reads 5:14
